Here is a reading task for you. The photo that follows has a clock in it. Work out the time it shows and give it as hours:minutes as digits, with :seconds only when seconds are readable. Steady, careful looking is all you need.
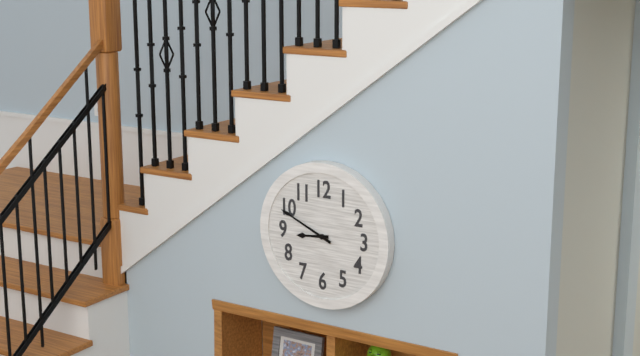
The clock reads 8:49
